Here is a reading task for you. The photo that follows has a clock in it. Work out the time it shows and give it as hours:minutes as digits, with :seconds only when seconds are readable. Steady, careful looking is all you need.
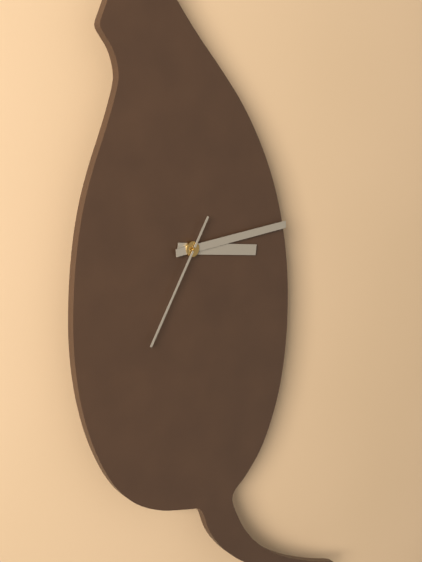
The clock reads 3:14:35
